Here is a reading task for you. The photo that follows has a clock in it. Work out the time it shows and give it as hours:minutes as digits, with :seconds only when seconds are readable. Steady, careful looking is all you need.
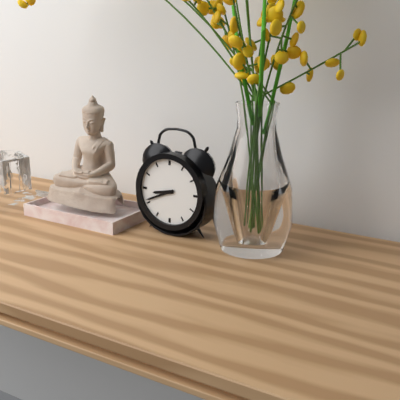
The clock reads 8:41
